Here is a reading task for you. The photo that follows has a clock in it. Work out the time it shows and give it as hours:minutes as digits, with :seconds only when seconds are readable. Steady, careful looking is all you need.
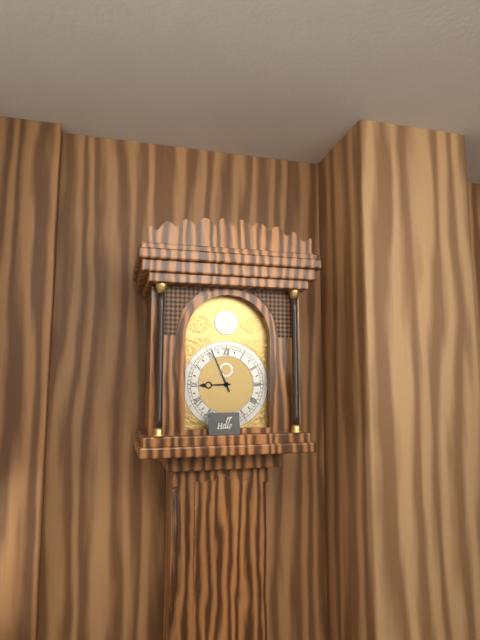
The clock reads 8:56
